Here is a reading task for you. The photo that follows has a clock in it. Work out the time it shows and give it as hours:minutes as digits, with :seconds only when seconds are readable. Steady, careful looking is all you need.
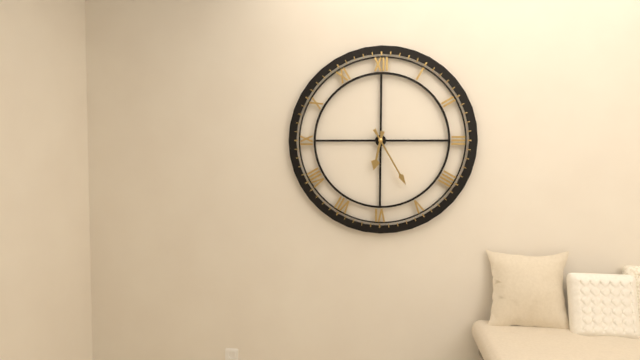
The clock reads 6:25
